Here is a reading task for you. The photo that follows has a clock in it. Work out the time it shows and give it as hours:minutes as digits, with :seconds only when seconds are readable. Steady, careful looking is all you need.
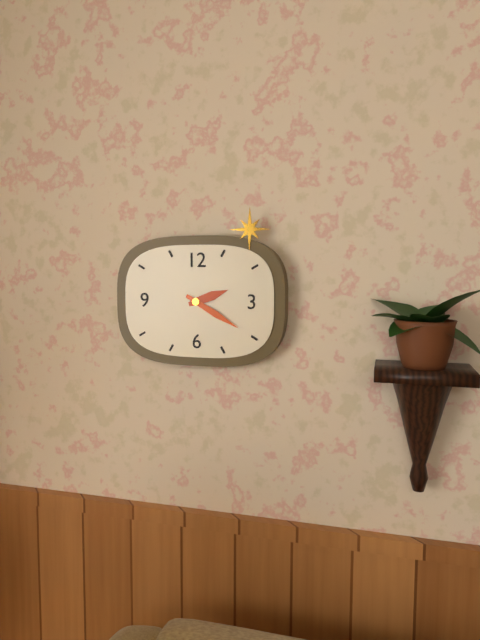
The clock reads 2:20
